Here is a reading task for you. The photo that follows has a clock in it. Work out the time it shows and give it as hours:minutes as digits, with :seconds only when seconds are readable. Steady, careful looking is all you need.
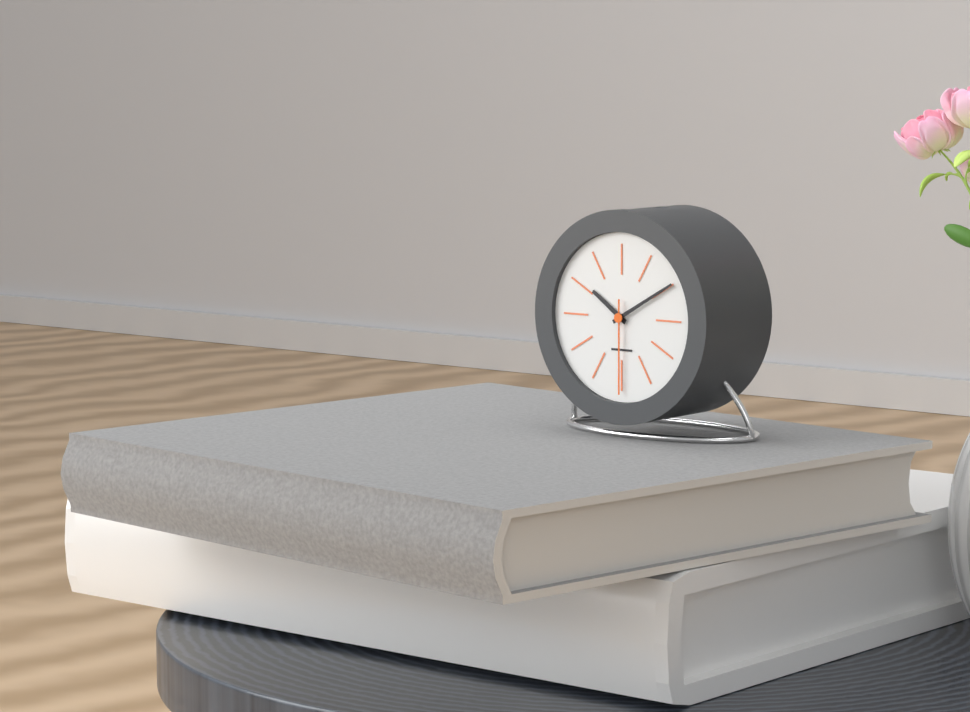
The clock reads 10:10:30
